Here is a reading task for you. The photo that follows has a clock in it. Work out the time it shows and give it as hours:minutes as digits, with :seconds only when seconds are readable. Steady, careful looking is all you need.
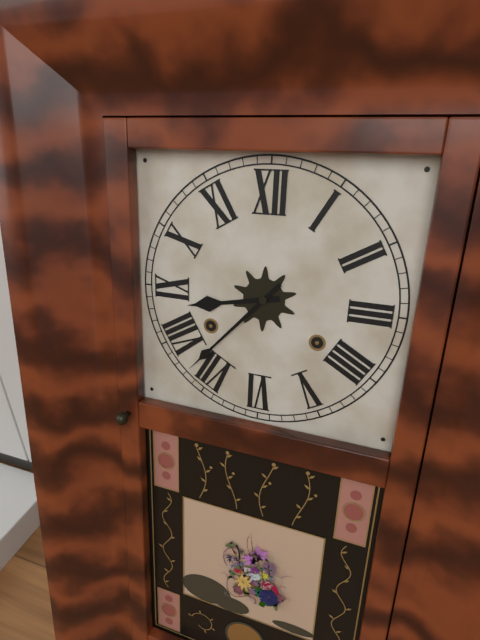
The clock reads 8:37
